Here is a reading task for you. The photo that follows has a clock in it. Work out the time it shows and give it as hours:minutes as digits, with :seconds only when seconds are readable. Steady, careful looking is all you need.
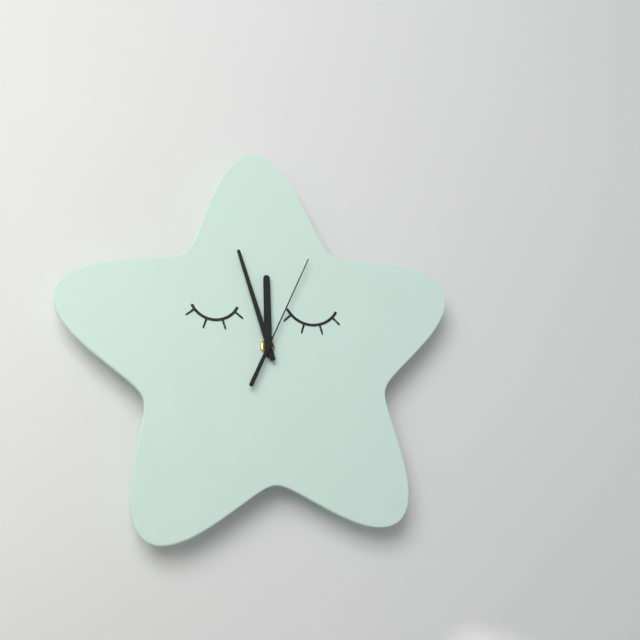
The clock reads 11:57:04
